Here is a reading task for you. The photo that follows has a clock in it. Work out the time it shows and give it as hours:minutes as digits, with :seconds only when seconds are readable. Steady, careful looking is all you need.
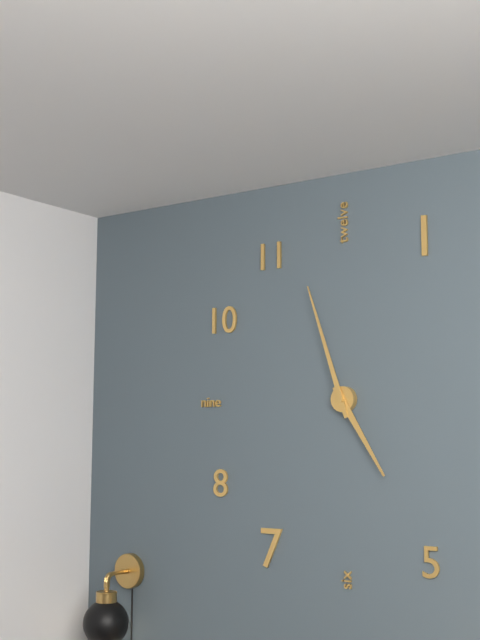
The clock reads 4:57
